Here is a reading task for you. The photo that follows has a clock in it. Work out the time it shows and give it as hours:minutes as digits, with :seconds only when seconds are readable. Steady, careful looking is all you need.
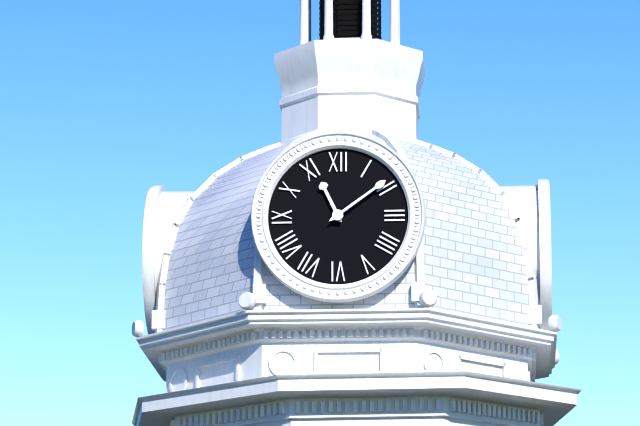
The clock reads 11:09
